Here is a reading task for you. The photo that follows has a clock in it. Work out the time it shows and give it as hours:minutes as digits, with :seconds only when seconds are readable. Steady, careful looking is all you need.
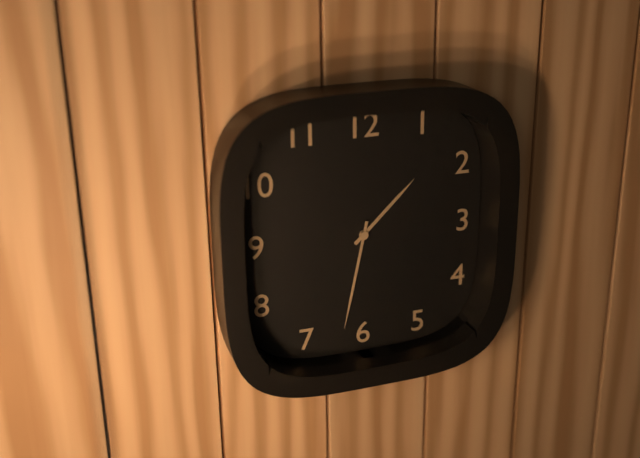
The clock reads 1:32
